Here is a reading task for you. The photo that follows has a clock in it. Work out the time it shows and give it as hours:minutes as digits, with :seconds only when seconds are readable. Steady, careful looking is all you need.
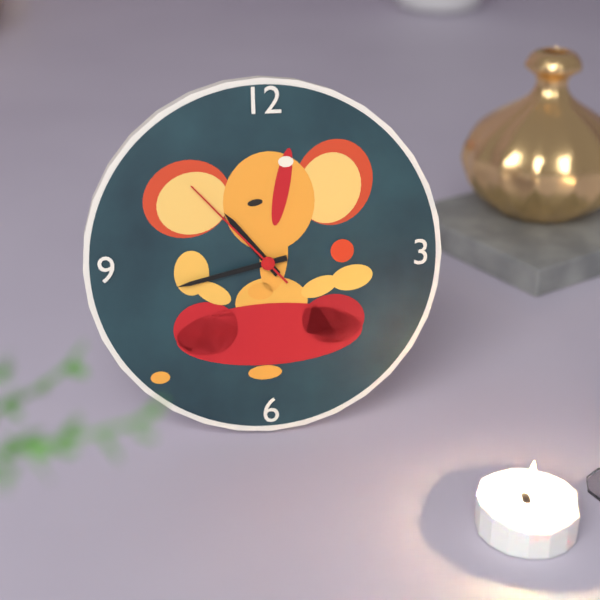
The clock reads 10:43:53
